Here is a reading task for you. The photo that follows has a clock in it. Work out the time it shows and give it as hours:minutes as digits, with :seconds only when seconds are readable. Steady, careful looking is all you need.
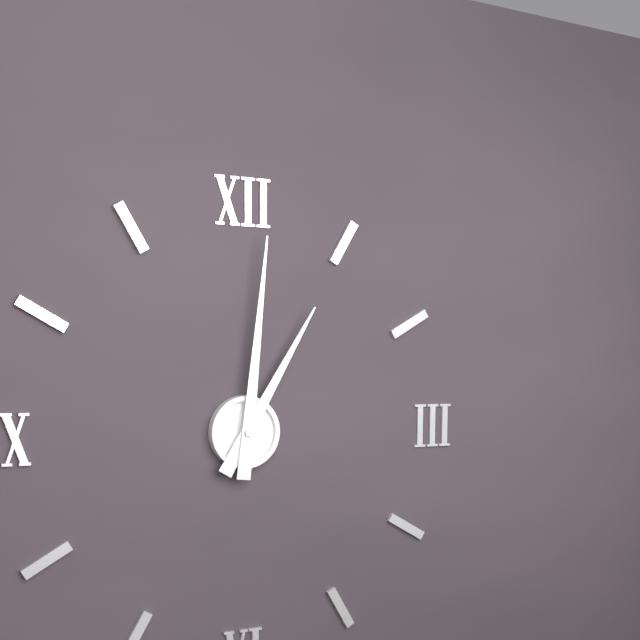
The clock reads 1:01
